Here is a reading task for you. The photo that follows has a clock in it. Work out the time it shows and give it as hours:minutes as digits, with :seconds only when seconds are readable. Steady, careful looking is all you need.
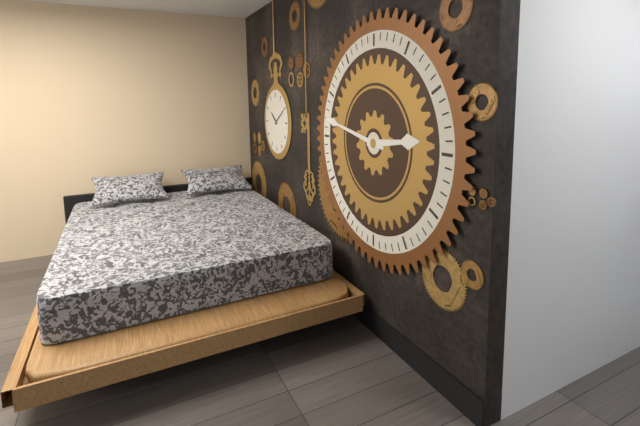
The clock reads 2:47
